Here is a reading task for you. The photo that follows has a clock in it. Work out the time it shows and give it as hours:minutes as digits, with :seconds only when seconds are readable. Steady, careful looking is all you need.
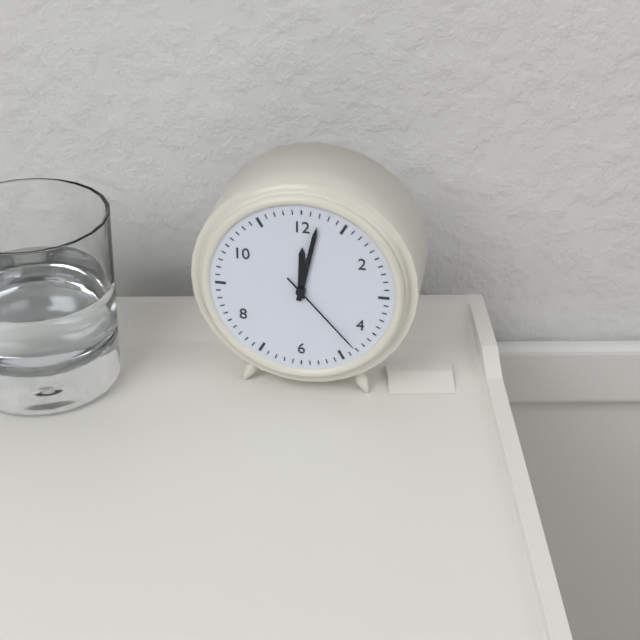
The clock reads 12:02:23
